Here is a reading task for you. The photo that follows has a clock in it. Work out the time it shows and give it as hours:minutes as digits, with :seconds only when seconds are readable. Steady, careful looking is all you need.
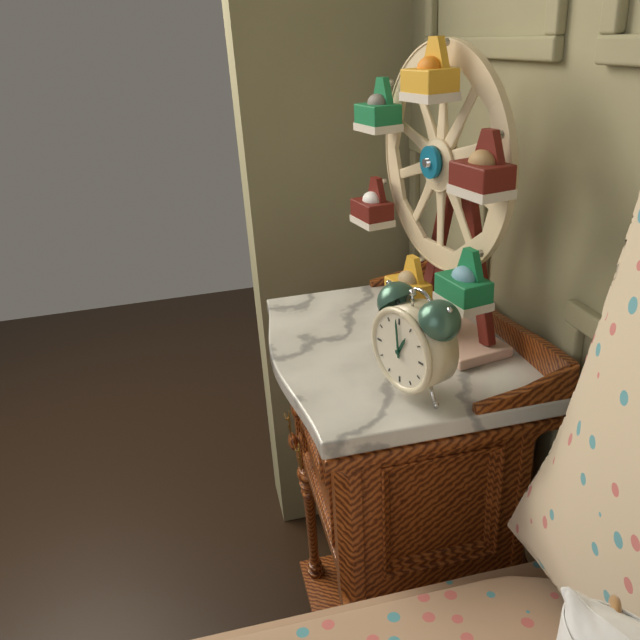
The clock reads 12:59
